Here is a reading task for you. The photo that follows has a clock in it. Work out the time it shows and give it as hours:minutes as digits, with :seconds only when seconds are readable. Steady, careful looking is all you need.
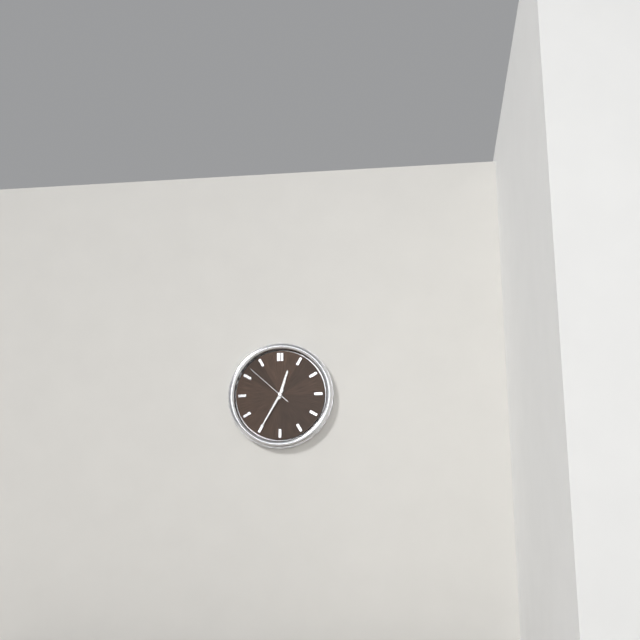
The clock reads 12:35
